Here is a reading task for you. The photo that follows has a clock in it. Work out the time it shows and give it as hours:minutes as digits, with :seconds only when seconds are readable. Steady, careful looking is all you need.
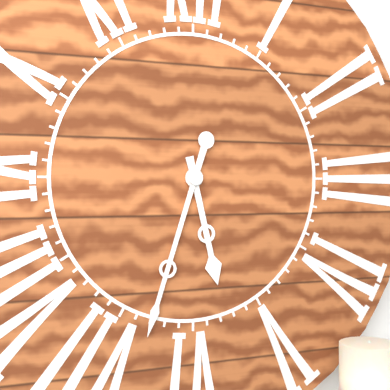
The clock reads 5:33
